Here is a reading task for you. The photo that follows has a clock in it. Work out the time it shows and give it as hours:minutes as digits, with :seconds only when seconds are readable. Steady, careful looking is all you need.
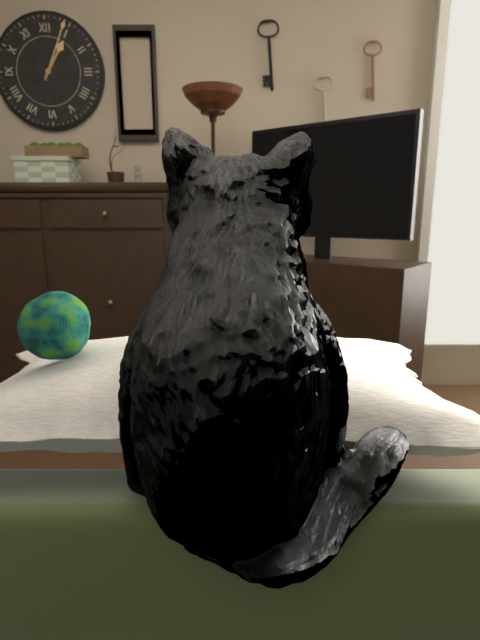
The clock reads 1:04
